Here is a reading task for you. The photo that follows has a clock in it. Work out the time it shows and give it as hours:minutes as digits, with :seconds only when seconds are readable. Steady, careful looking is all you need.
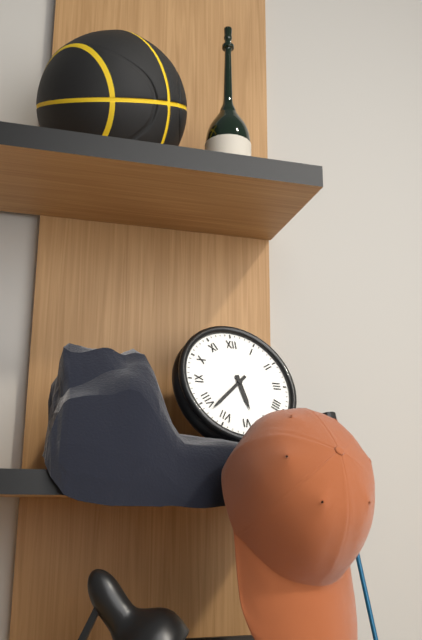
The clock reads 5:38
